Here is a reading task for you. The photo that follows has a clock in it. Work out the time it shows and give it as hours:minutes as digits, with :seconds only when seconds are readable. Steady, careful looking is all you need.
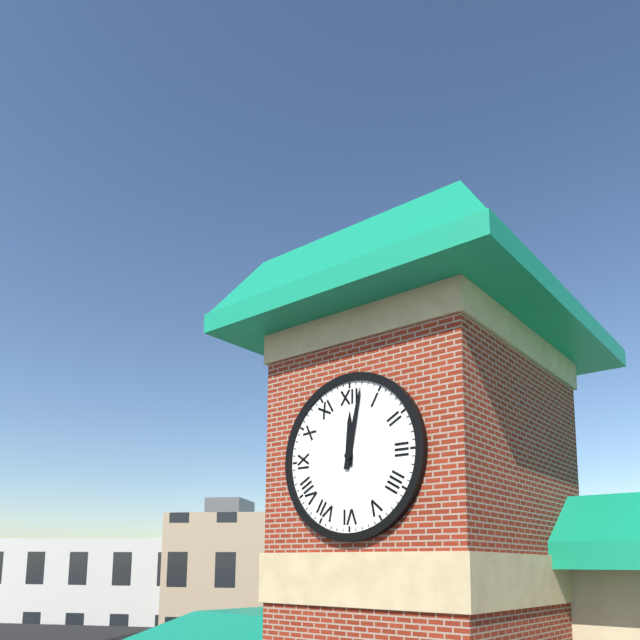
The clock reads 12:02
